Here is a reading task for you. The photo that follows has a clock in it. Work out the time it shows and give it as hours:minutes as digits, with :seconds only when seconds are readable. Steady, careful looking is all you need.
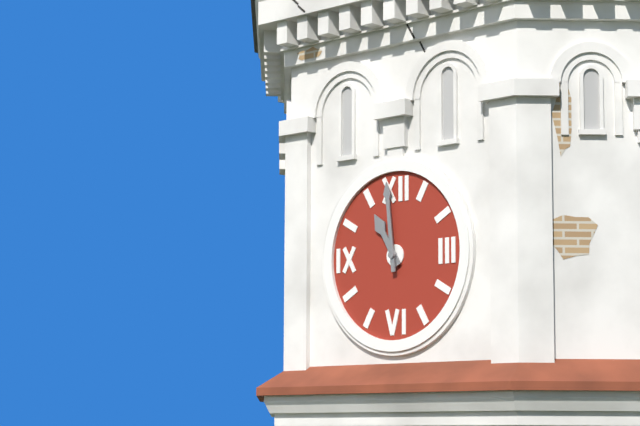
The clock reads 10:59
